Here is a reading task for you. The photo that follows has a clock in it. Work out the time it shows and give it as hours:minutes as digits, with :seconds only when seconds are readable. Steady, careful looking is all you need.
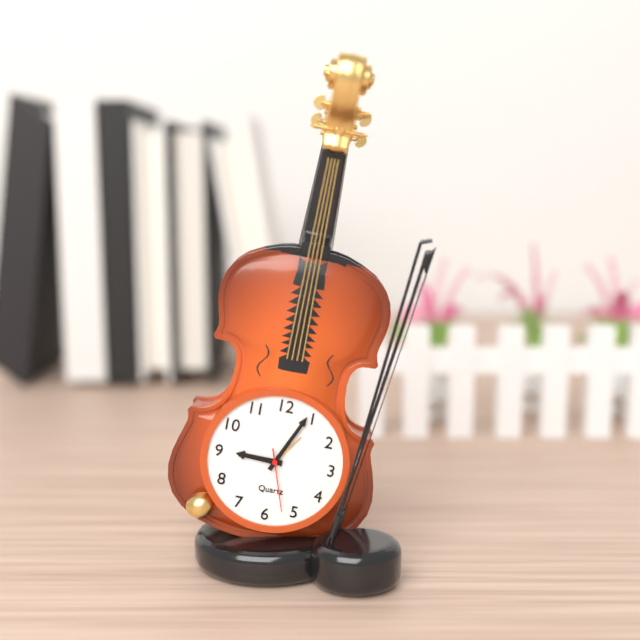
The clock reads 9:04:27
